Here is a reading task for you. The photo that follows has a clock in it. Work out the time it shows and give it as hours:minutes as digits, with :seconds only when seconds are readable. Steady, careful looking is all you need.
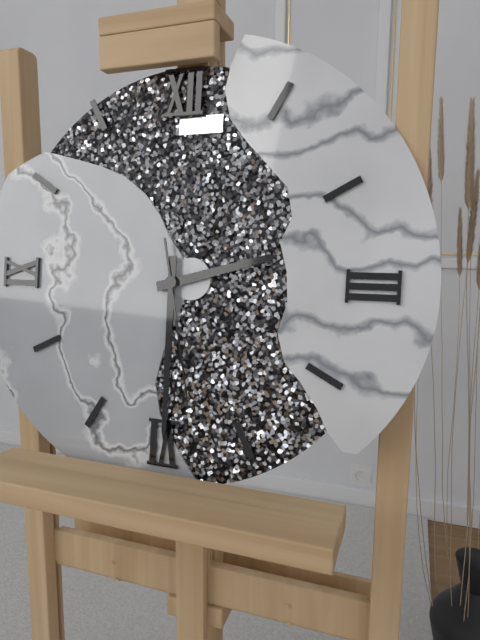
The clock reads 2:30:28
